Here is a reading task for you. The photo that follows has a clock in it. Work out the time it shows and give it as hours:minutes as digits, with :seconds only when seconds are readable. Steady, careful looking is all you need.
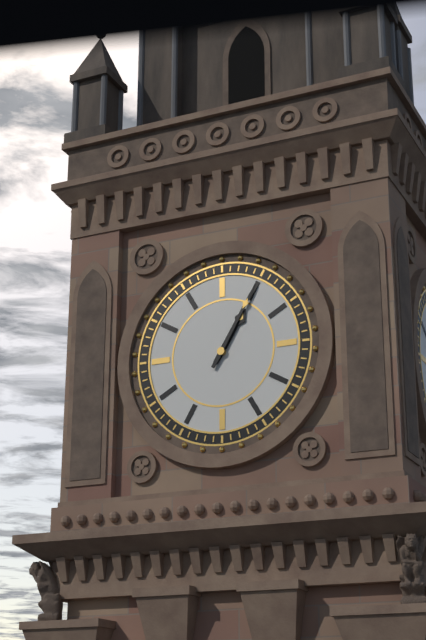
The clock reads 1:05
